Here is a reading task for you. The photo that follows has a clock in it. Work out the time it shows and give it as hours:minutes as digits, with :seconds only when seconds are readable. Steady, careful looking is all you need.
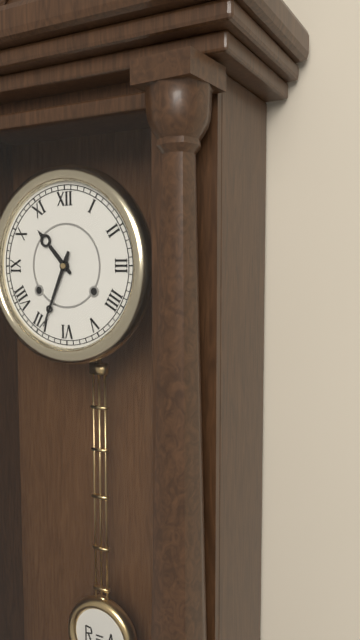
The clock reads 10:34
